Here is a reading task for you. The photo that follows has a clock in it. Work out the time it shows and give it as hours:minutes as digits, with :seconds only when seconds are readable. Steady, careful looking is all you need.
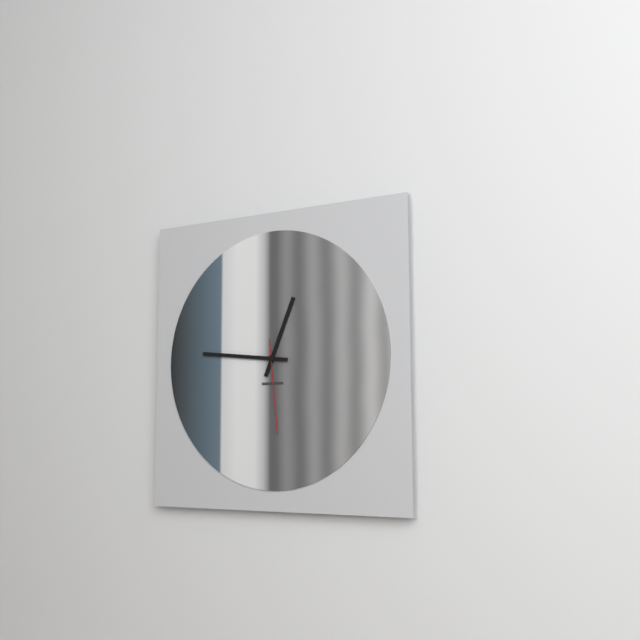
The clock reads 12:46:29
